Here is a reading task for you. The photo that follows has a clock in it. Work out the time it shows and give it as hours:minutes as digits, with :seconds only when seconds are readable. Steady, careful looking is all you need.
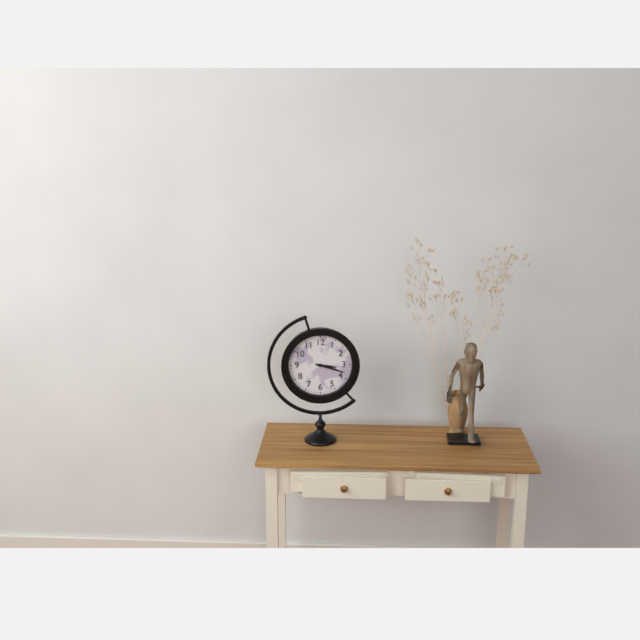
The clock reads 3:18
